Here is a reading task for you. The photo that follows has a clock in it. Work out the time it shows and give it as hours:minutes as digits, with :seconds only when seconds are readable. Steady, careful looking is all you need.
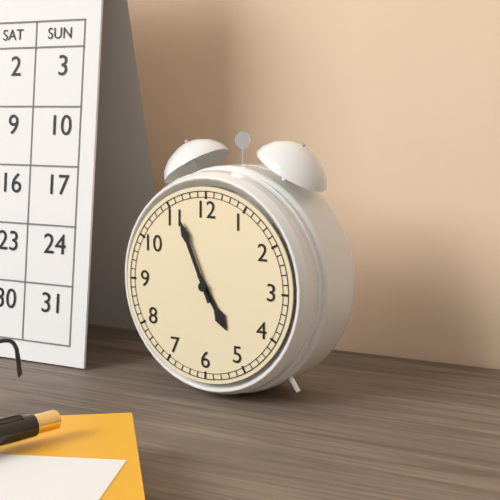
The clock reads 4:56
